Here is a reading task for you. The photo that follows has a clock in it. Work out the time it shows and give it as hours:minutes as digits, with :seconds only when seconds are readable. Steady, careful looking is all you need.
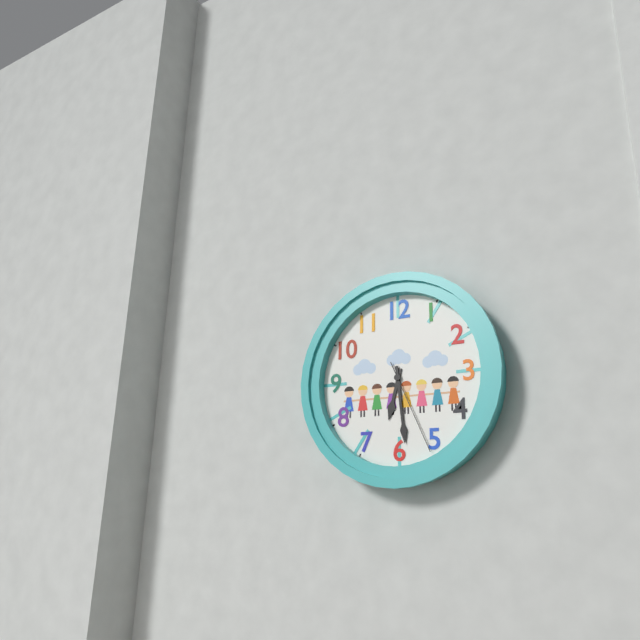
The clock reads 6:29:26
